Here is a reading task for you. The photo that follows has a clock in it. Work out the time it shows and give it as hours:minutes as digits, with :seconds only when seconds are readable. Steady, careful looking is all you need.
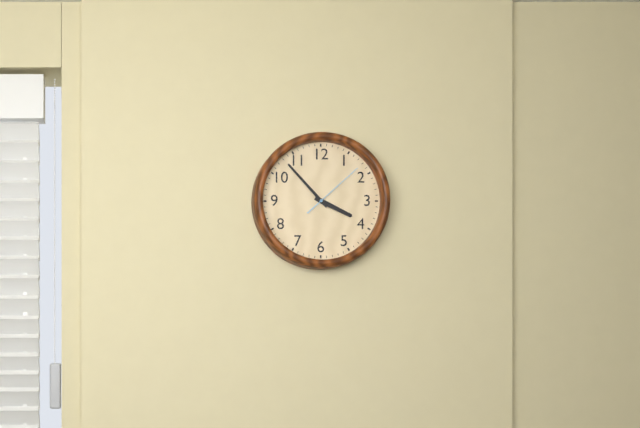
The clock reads 3:53:08
